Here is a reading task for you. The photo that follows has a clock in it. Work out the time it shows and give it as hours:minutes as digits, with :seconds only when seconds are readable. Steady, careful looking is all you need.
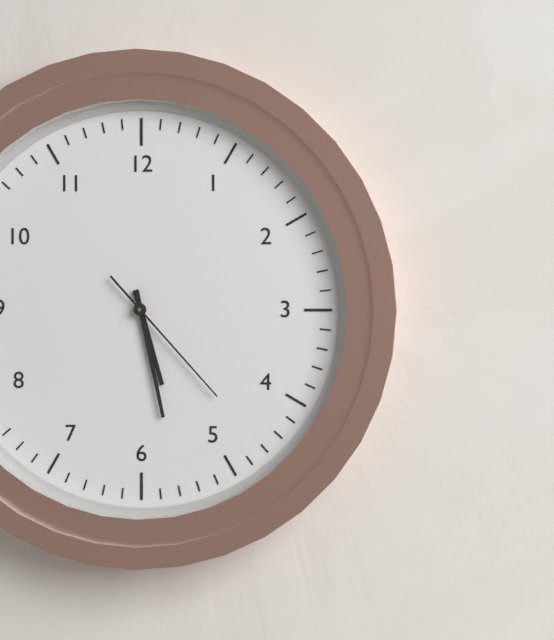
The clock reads 5:28:23
